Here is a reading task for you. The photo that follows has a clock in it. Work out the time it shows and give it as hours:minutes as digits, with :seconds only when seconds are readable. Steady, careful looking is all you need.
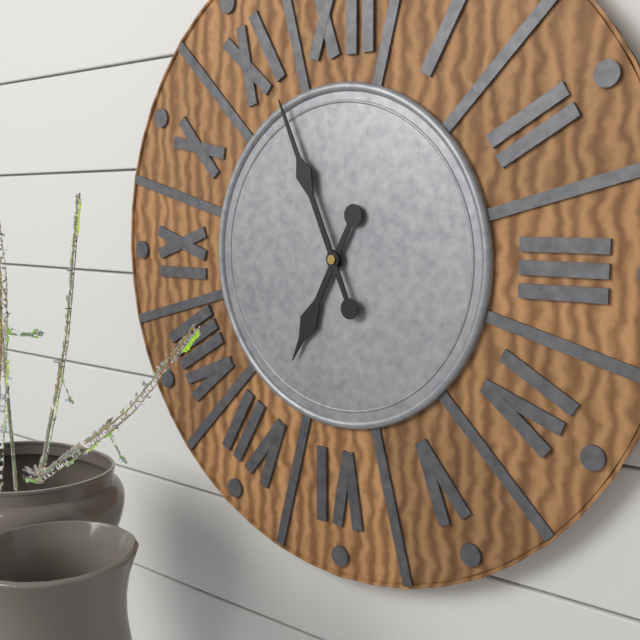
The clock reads 6:56
